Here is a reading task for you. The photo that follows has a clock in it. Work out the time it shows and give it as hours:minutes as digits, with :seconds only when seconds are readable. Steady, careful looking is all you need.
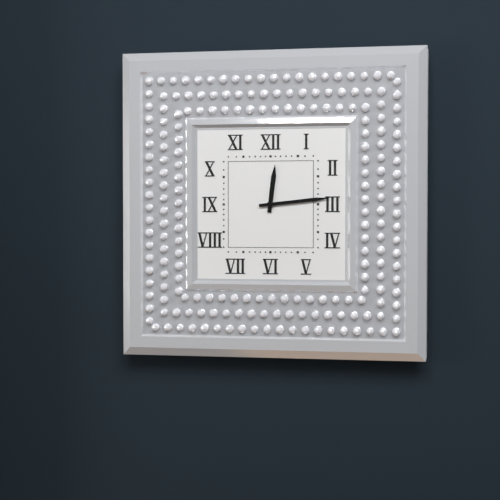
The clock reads 12:14
